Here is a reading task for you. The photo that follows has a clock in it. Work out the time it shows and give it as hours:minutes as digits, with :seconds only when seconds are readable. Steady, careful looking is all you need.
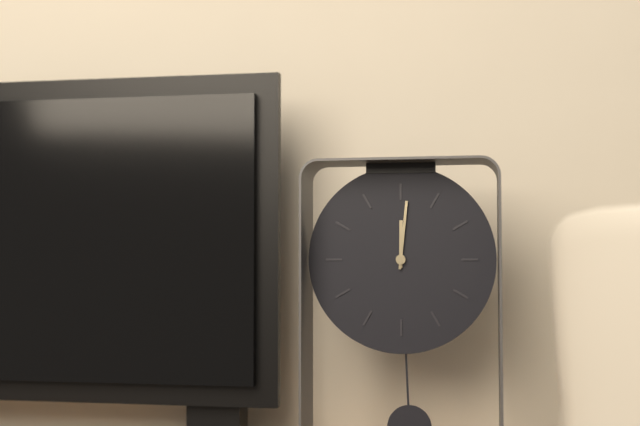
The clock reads 12:01
